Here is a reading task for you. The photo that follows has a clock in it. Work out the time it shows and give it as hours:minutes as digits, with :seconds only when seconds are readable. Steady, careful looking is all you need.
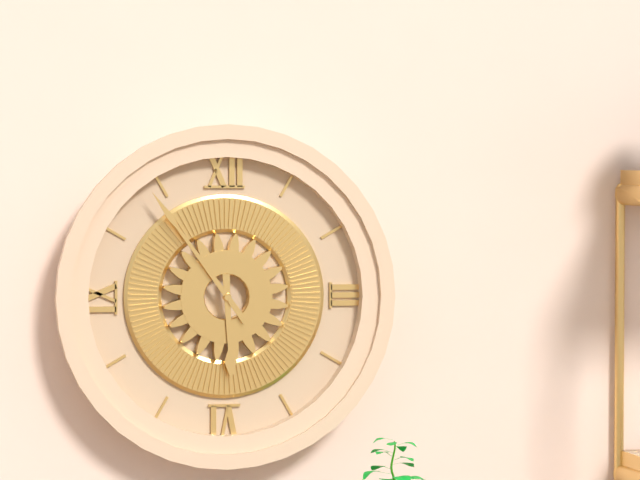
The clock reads 5:54
